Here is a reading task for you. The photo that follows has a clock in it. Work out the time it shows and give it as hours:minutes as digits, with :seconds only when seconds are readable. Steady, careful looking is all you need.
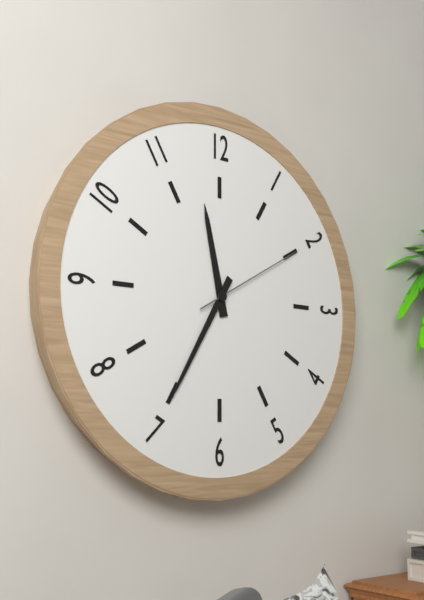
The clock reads 11:35:10
